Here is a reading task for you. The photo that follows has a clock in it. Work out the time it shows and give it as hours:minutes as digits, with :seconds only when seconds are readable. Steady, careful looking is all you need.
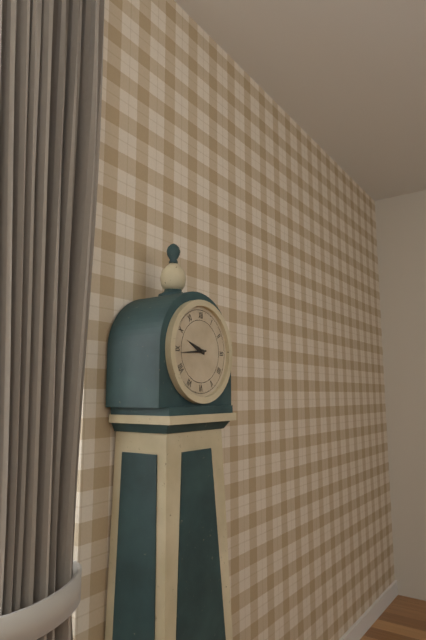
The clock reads 9:44
